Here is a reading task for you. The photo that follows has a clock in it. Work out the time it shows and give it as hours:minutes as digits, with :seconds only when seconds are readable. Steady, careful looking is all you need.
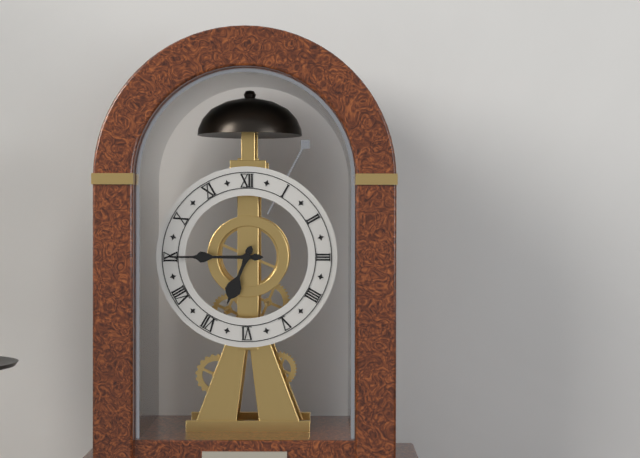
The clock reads 6:45
